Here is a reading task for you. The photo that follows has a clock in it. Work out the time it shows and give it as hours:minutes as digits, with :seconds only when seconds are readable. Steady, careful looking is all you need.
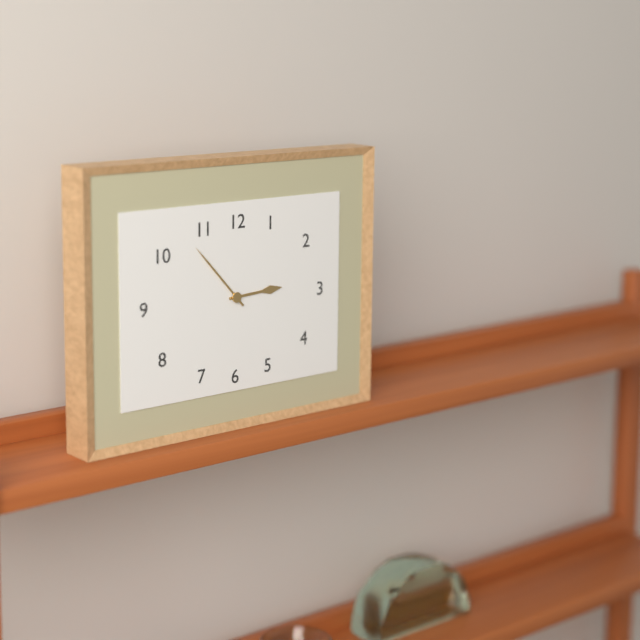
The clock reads 2:53
